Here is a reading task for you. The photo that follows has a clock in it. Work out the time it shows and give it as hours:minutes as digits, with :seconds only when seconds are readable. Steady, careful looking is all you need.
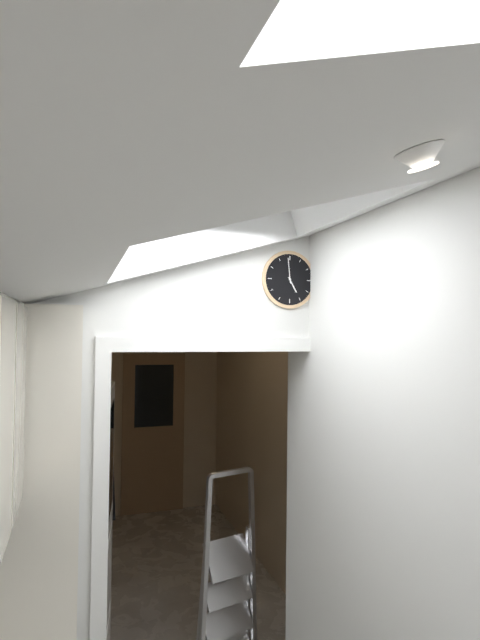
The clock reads 4:59
